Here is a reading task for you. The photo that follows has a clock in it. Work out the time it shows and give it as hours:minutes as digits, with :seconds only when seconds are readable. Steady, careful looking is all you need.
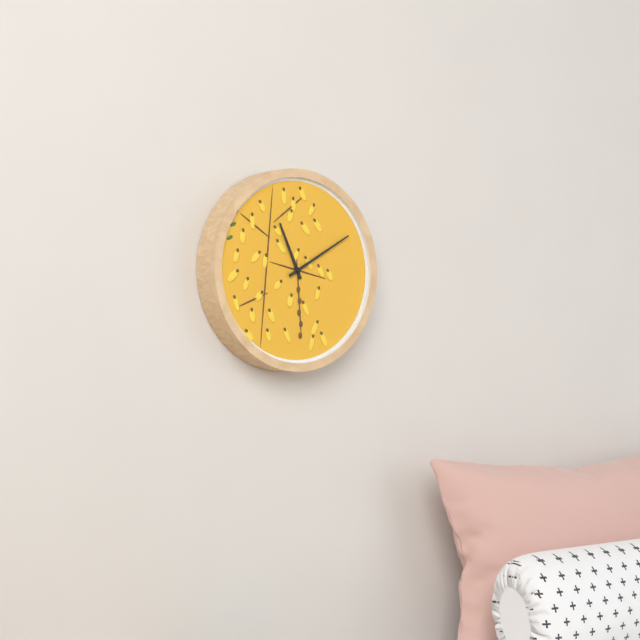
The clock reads 11:10
